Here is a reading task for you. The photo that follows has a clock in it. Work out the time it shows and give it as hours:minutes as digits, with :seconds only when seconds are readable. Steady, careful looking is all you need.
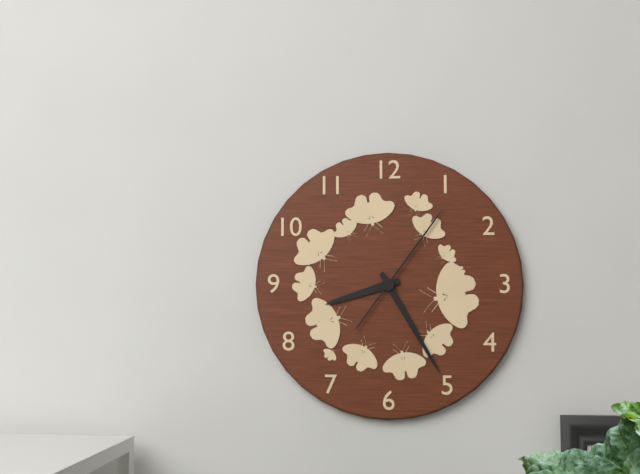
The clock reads 8:25:06
